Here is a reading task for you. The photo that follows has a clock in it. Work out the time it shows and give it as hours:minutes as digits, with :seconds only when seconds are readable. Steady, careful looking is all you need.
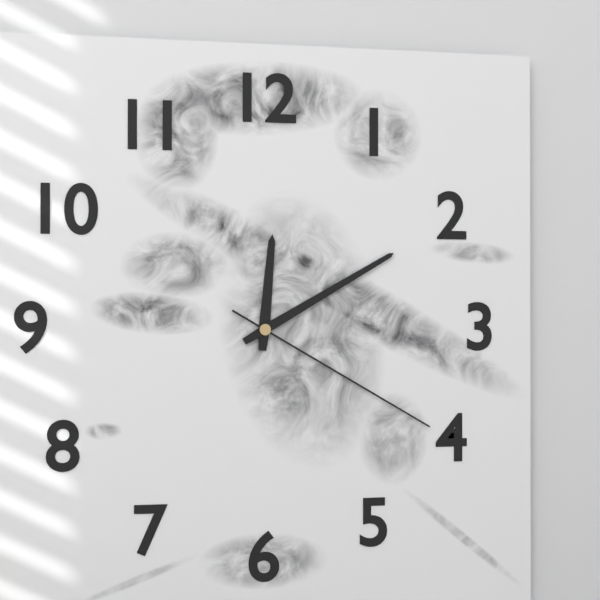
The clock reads 12:10:20
